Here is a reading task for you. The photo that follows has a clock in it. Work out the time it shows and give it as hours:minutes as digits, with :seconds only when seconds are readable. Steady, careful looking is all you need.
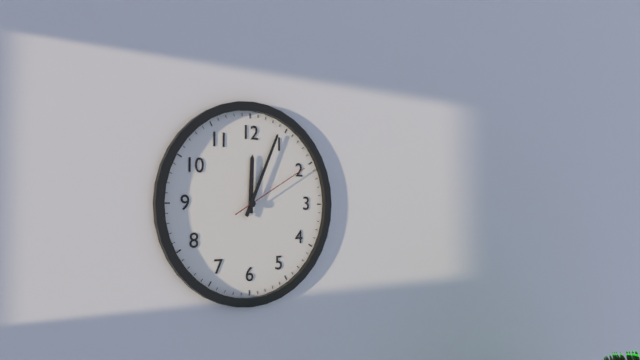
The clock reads 12:04:10
